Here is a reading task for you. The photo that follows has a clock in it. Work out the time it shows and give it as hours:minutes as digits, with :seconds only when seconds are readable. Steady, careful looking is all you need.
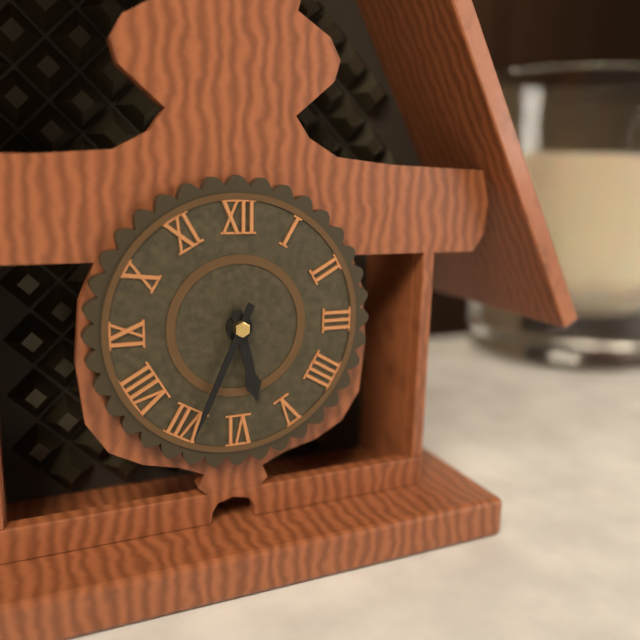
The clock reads 5:34
